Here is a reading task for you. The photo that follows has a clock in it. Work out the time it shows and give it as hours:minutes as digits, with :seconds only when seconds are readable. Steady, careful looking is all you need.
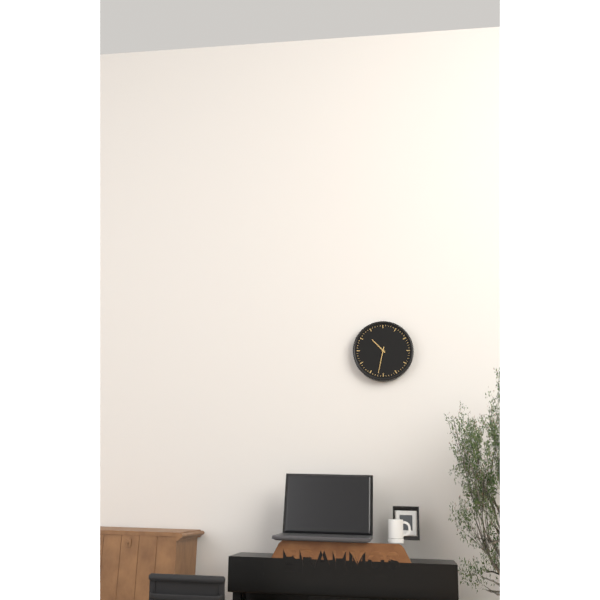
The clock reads 10:32
